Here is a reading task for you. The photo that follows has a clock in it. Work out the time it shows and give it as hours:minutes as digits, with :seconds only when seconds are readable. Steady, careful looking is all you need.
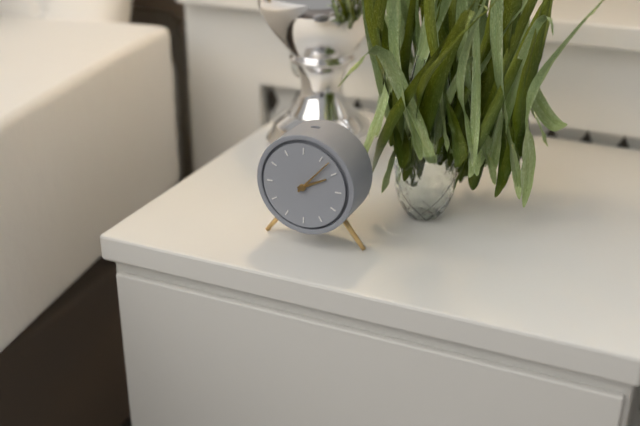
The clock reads 2:07
